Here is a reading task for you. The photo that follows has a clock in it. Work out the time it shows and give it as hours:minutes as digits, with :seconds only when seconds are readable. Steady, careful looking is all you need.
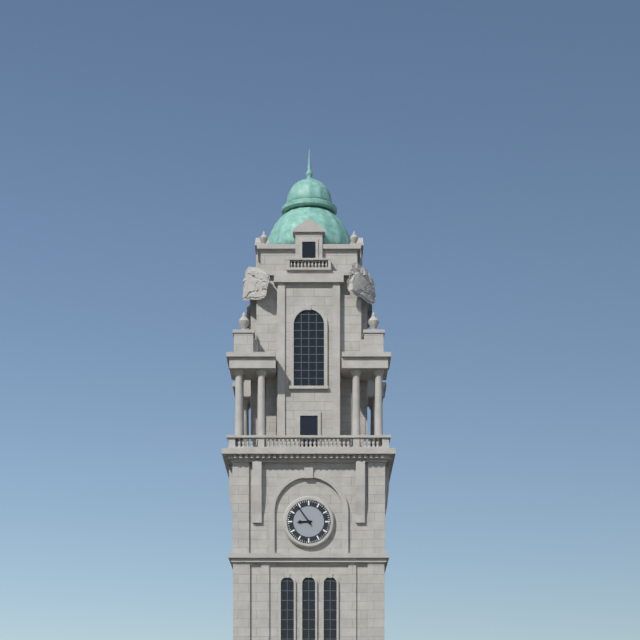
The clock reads 8:54
